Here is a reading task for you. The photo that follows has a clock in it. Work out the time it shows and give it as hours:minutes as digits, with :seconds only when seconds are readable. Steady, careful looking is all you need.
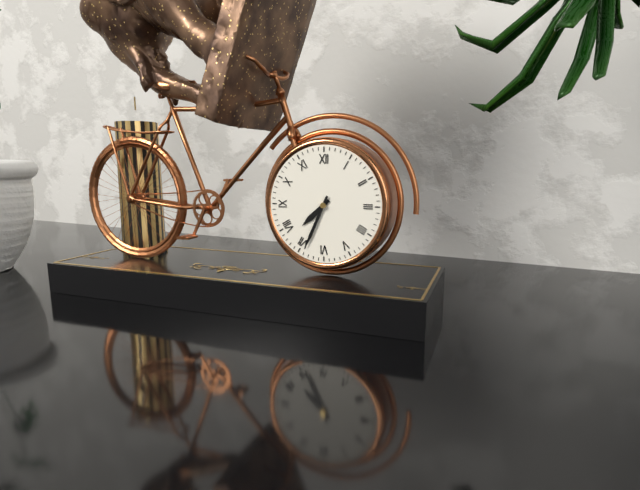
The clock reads 7:34
